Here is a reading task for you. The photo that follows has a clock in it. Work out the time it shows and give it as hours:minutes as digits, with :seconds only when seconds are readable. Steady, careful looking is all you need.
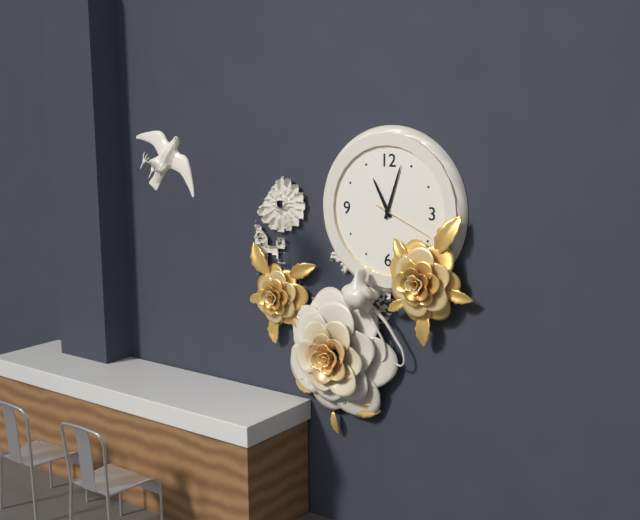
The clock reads 11:03:19
